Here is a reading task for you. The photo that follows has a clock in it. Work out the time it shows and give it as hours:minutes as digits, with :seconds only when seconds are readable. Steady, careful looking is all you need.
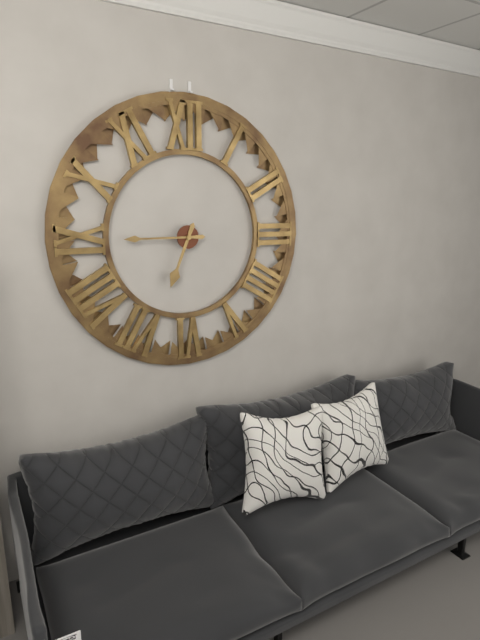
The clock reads 6:45
